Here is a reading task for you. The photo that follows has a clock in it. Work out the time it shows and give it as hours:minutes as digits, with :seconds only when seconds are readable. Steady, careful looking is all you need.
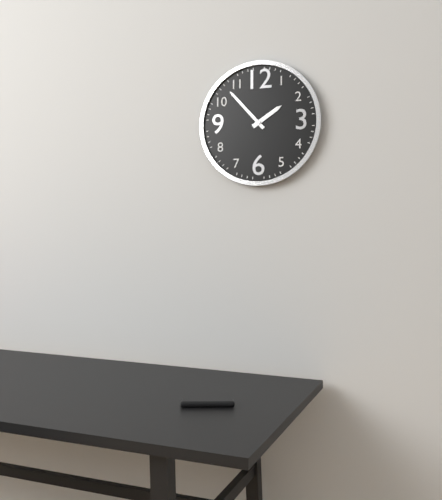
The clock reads 1:53
